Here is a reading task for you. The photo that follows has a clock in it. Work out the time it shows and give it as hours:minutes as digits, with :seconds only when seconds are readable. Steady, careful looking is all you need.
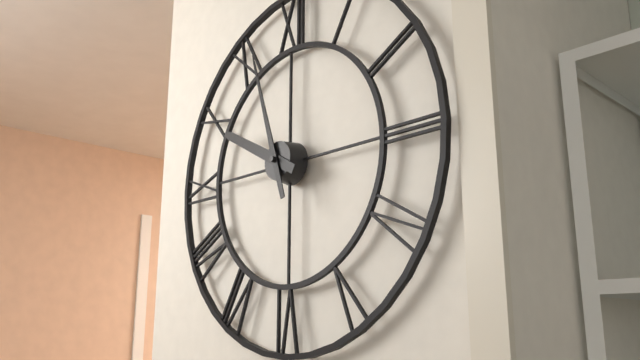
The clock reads 9:57
